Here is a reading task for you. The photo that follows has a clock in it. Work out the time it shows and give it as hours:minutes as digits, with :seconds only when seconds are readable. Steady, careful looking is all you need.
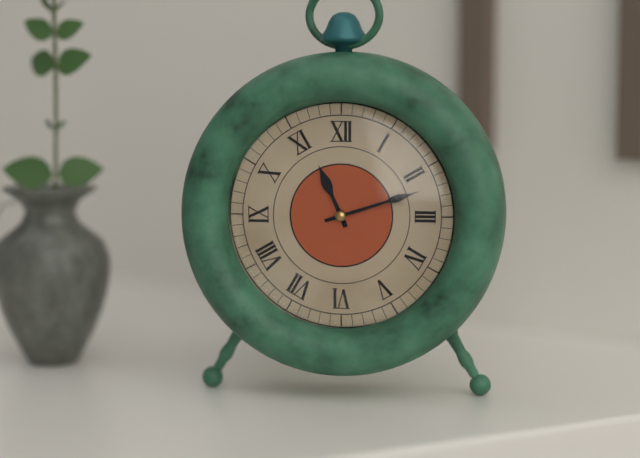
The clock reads 11:12
